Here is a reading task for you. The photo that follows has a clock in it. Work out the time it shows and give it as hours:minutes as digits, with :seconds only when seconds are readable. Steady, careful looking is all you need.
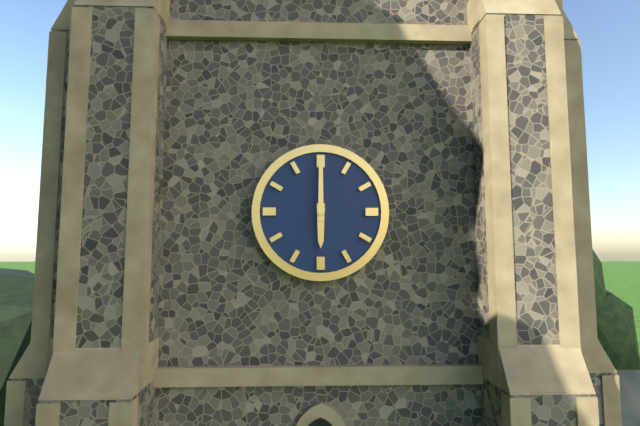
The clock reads 6:00
